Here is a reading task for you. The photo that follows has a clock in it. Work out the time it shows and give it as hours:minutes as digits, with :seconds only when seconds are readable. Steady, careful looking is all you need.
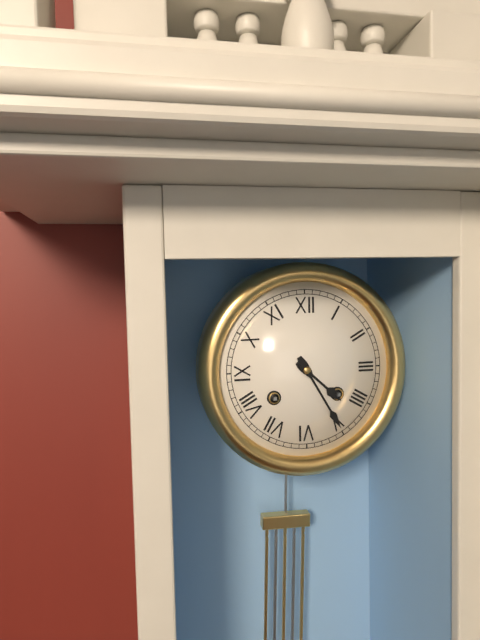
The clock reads 4:25
